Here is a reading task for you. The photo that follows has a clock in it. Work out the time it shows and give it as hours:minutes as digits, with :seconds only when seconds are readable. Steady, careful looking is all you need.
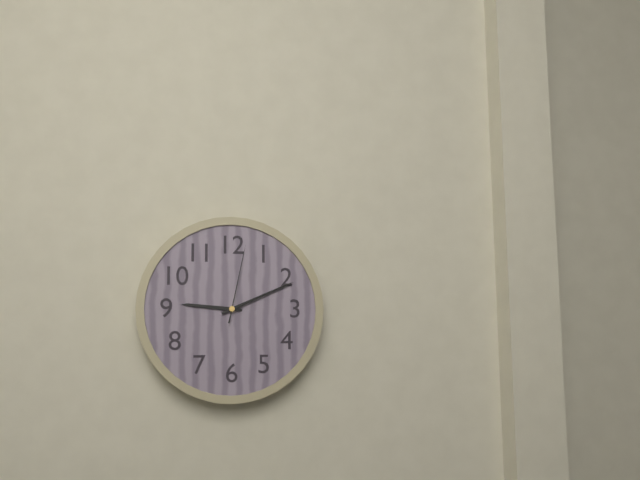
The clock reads 9:11:02
